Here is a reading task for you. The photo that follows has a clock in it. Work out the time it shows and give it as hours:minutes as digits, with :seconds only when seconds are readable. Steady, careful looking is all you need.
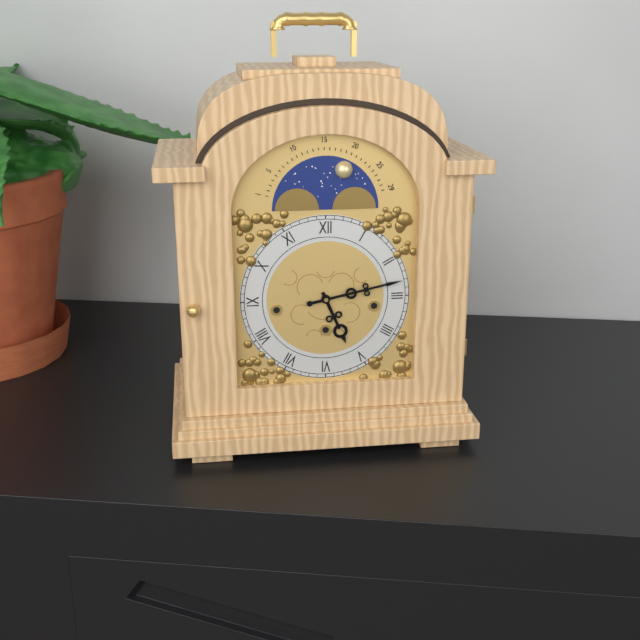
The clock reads 5:13
